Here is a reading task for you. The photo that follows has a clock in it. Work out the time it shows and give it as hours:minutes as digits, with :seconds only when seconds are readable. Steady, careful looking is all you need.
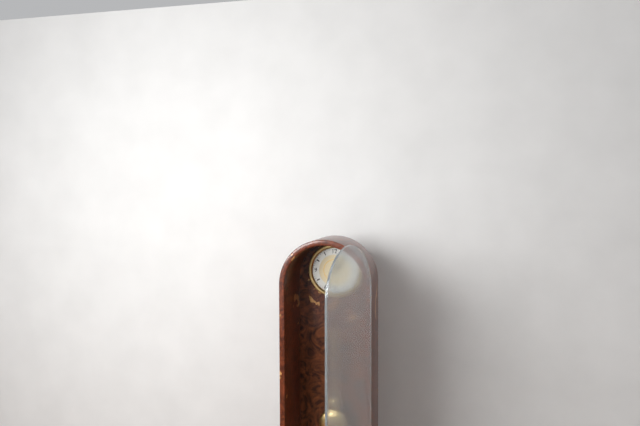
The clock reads 12:07
